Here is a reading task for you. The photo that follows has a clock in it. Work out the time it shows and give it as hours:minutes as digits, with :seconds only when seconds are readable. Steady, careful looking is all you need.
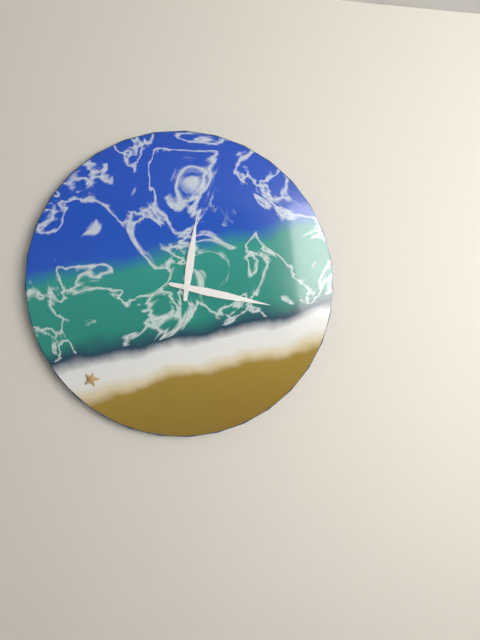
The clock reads 12:17
